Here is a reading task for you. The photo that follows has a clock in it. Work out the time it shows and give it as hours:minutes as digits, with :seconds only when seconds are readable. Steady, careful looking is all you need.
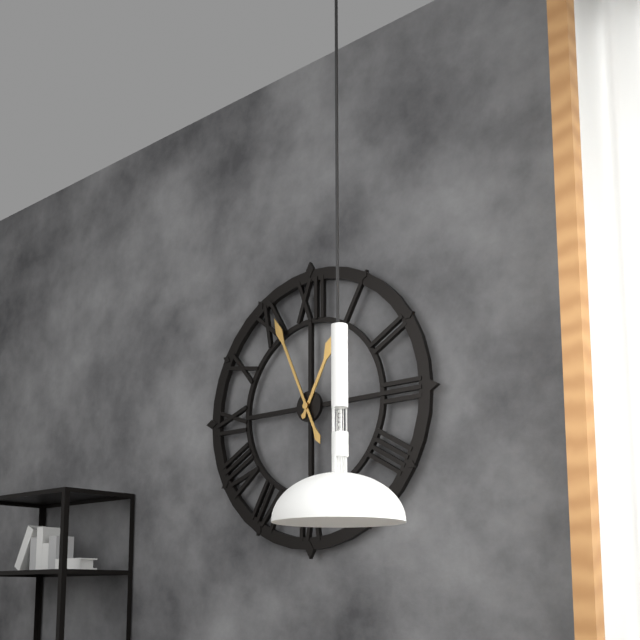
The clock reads 12:56
